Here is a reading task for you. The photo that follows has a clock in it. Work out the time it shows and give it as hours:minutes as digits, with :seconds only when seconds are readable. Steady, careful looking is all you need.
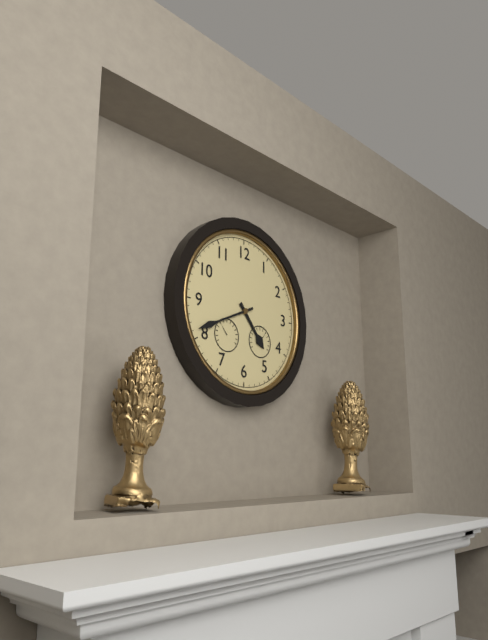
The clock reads 4:41
